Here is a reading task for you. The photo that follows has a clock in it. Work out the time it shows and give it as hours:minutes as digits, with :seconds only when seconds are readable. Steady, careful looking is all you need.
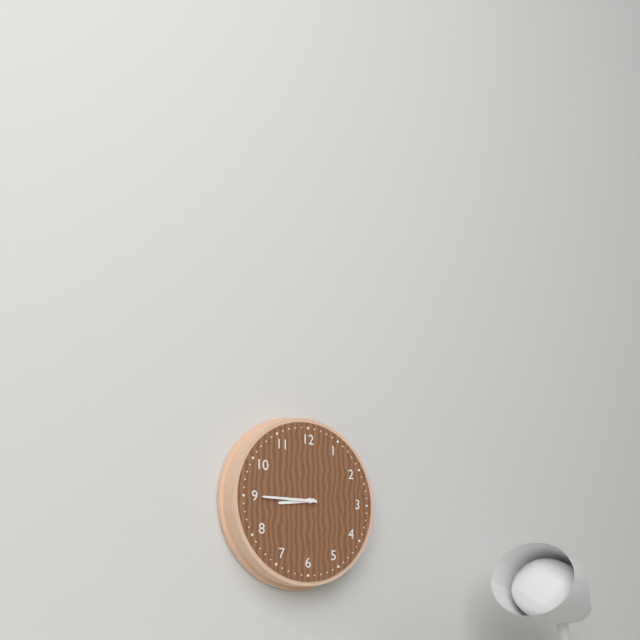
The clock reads 8:45
